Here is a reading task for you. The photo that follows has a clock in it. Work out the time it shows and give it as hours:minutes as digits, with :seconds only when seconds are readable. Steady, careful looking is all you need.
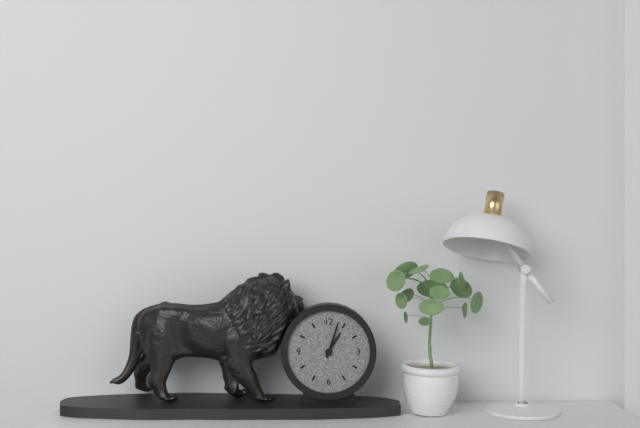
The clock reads 1:03
